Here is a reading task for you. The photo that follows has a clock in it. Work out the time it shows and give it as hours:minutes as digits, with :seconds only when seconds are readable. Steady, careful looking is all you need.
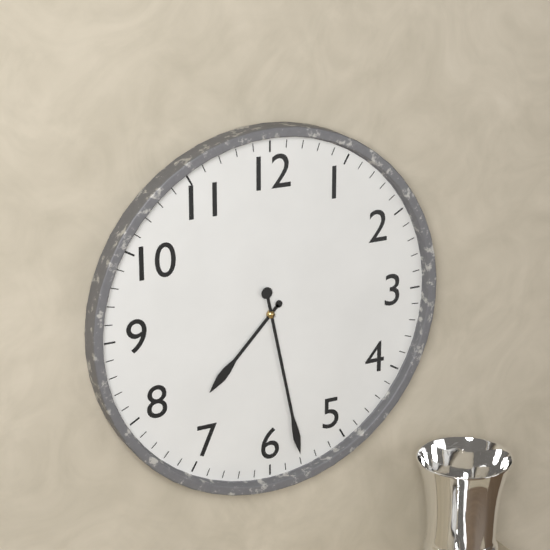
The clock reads 7:28
